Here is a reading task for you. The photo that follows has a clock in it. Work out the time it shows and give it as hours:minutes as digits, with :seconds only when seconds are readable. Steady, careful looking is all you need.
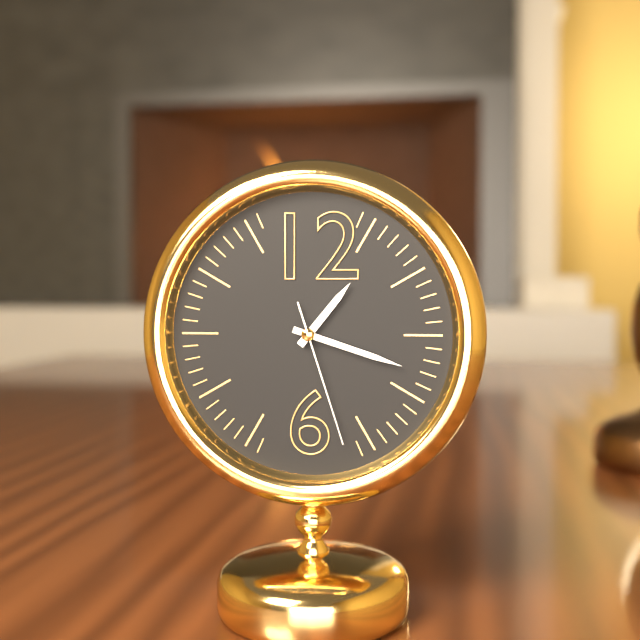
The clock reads 1:18:27
